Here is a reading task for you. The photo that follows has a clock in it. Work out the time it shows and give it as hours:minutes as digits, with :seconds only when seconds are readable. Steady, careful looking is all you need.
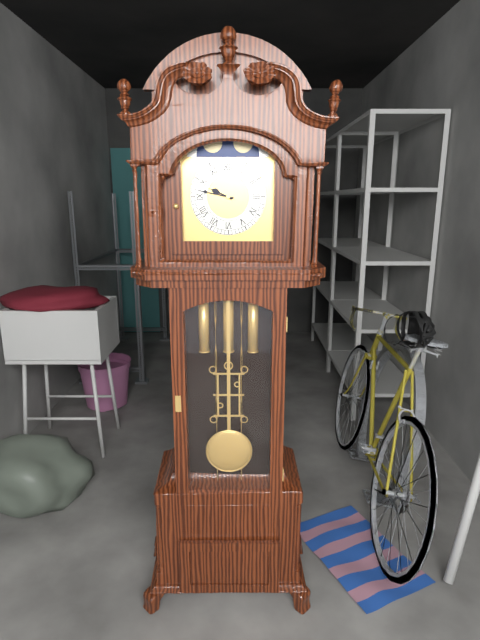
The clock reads 9:47
